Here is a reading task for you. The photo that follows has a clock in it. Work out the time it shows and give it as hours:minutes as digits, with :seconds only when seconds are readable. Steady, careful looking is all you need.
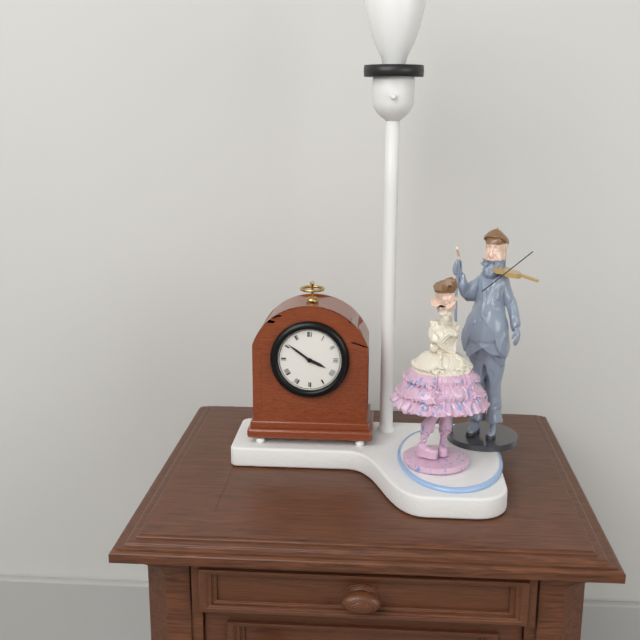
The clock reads 3:51
